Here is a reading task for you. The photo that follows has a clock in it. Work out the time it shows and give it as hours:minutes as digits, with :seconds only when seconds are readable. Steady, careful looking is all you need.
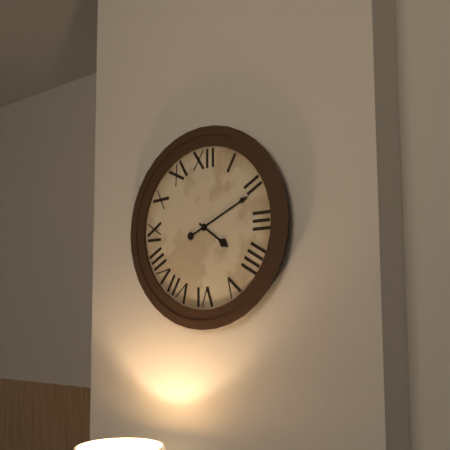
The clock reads 4:11
